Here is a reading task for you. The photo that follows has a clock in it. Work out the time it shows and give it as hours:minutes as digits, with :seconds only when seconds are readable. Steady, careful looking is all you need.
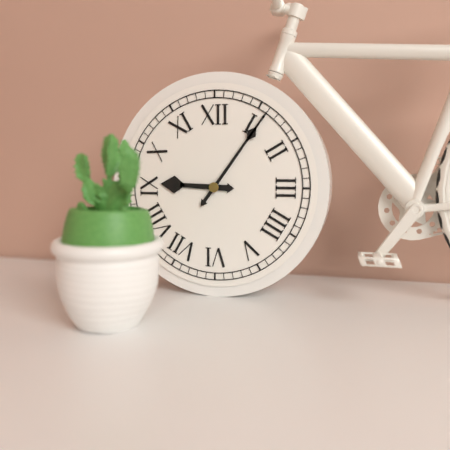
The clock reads 9:06
